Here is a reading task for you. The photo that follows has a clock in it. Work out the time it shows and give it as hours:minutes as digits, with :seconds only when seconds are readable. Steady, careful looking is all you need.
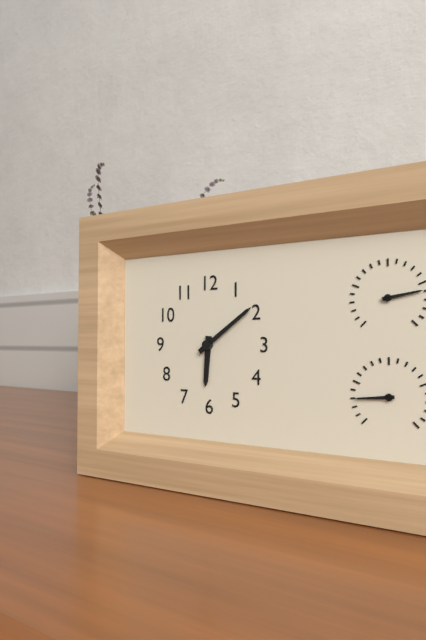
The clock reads 6:09
